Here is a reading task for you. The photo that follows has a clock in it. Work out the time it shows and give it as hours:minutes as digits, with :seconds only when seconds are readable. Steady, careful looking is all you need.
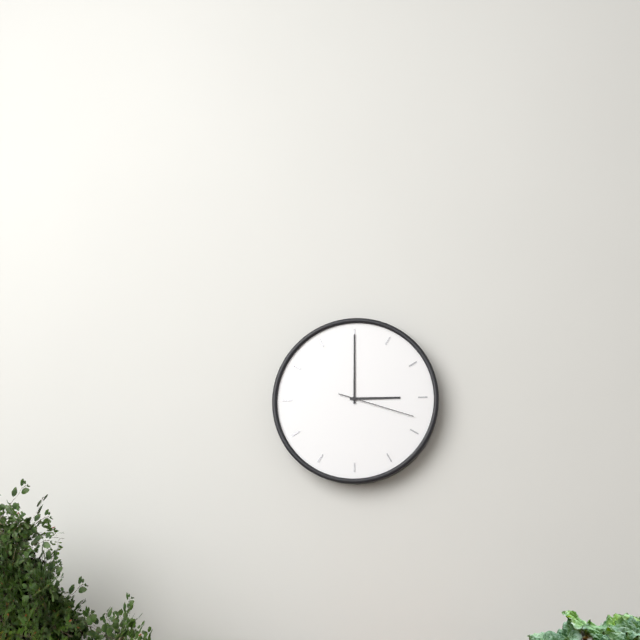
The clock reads 3:00:18
